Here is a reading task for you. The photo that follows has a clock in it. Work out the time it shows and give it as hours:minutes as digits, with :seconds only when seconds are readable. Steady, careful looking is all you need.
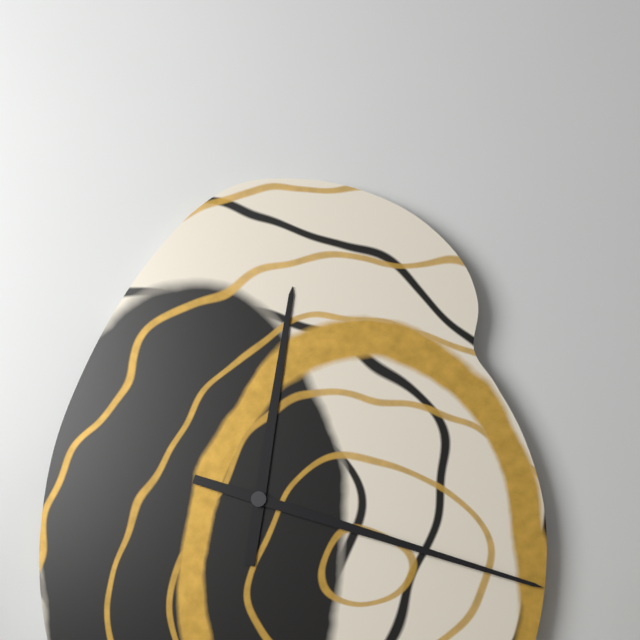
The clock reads 12:18
